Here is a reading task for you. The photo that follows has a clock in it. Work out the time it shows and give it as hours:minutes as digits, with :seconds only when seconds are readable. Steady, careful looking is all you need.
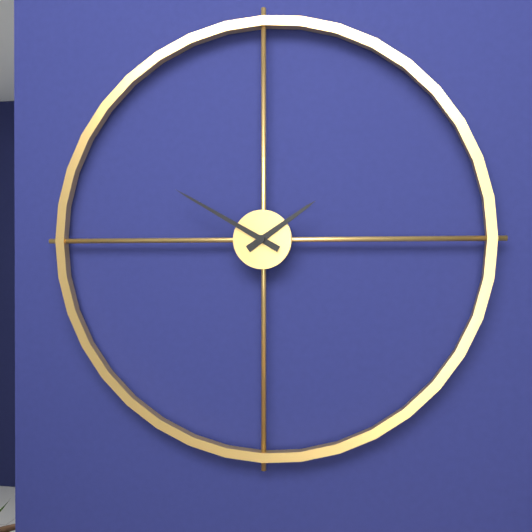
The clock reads 1:50
